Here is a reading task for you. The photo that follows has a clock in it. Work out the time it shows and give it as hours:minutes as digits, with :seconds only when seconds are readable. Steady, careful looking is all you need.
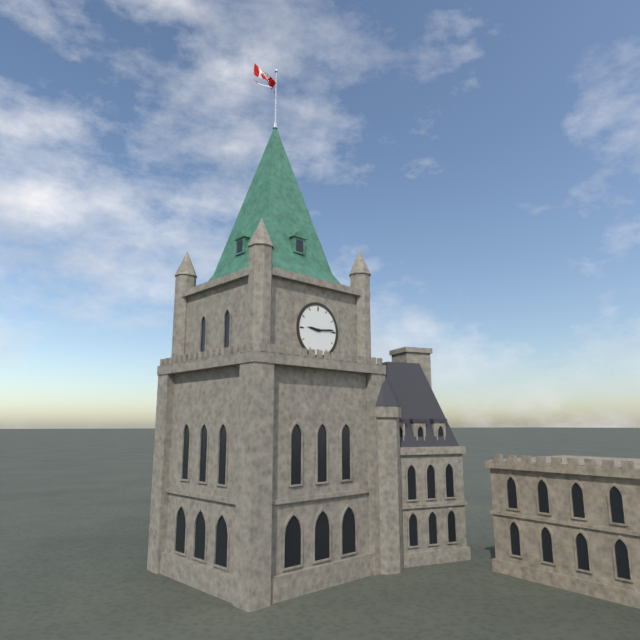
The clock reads 9:14
